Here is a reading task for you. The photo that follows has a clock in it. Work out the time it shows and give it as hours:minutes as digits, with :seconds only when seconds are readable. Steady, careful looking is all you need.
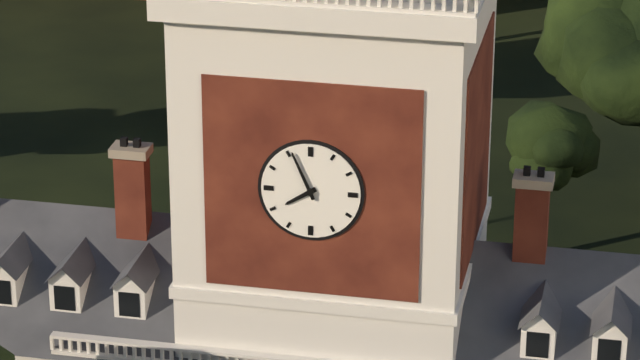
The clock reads 7:56
